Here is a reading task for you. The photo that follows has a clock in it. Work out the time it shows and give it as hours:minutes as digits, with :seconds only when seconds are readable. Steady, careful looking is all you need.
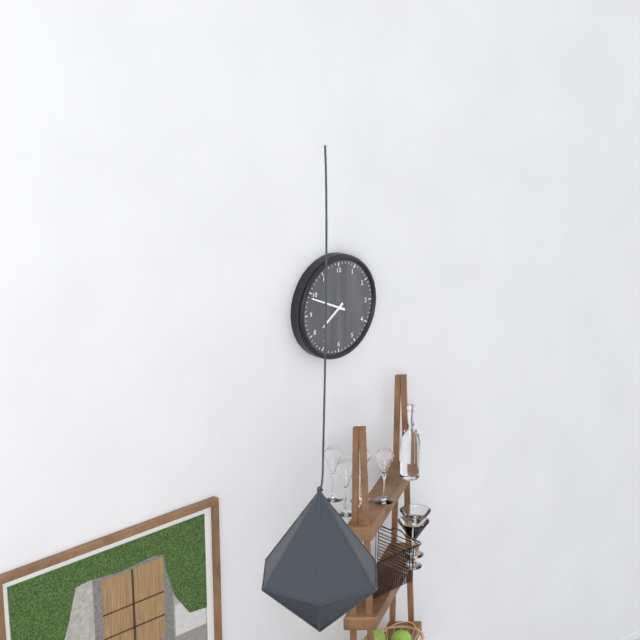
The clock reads 7:49
